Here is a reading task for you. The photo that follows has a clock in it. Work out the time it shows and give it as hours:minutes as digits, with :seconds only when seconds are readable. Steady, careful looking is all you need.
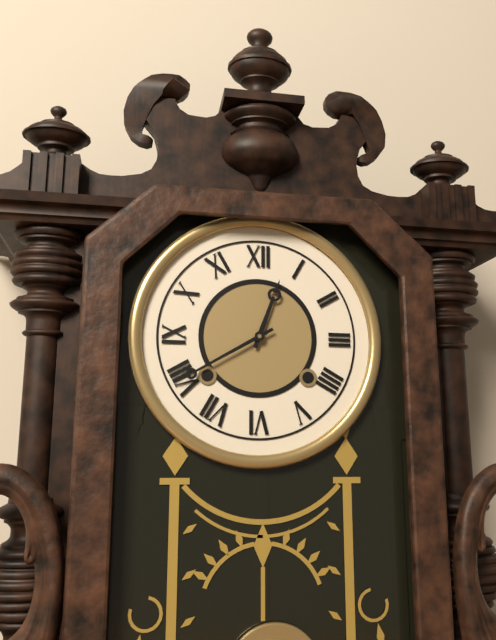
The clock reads 12:40
